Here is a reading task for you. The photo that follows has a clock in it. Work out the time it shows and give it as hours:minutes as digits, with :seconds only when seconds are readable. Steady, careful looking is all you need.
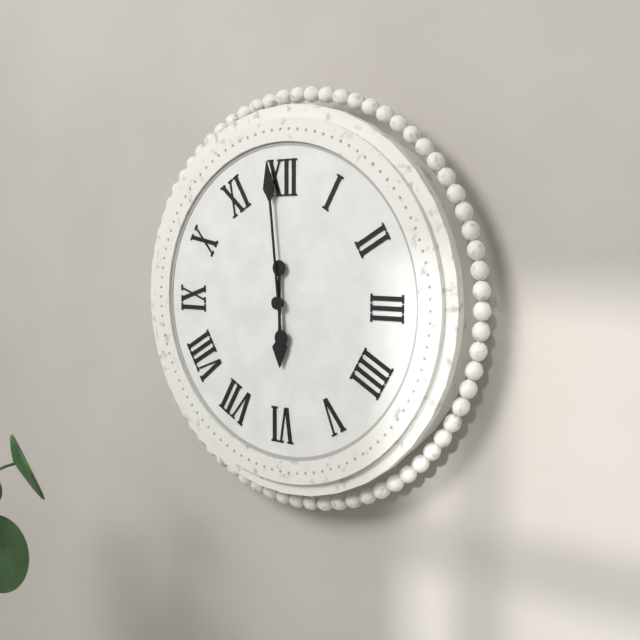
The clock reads 5:59
